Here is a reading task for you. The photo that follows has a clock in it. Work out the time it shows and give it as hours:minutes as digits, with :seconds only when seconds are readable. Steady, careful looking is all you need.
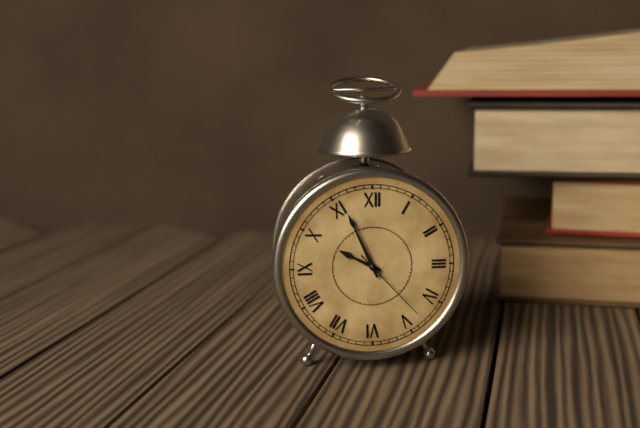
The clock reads 9:56:23
